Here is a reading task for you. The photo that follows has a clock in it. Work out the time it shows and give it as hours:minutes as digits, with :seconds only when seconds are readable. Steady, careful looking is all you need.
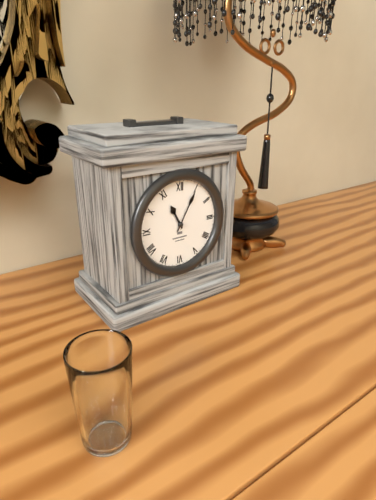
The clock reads 11:05
